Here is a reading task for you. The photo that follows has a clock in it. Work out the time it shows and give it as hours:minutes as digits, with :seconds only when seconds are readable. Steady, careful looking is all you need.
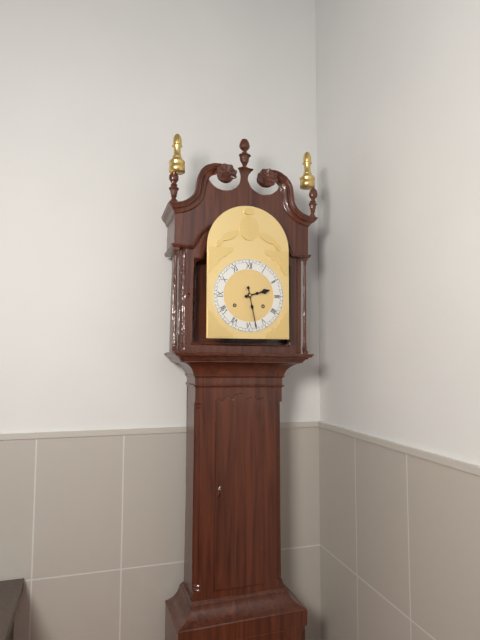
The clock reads 2:28
